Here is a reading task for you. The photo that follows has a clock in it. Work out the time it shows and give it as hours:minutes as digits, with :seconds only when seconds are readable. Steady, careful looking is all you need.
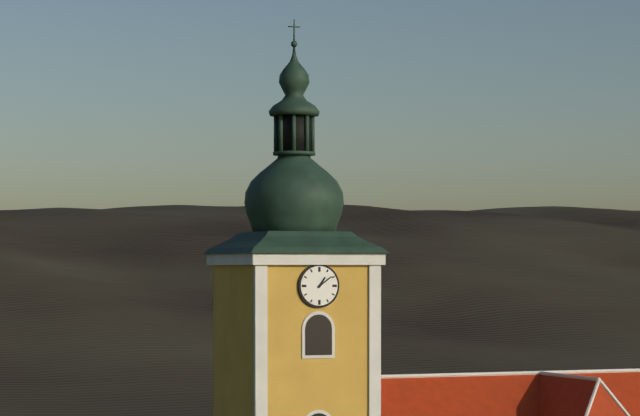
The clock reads 1:09
